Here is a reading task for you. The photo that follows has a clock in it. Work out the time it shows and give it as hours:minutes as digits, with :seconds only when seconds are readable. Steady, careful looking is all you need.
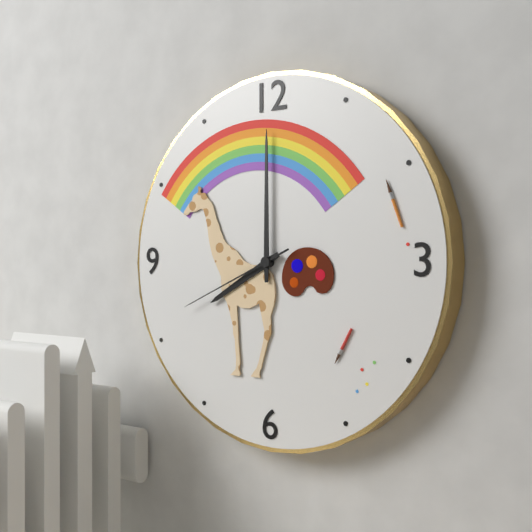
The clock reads 8:00:41
